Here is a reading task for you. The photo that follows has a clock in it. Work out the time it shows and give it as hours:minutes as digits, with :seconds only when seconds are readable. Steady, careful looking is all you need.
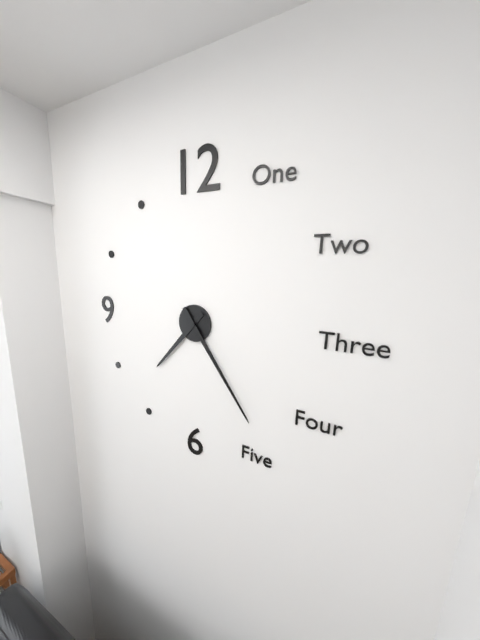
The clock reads 7:24
